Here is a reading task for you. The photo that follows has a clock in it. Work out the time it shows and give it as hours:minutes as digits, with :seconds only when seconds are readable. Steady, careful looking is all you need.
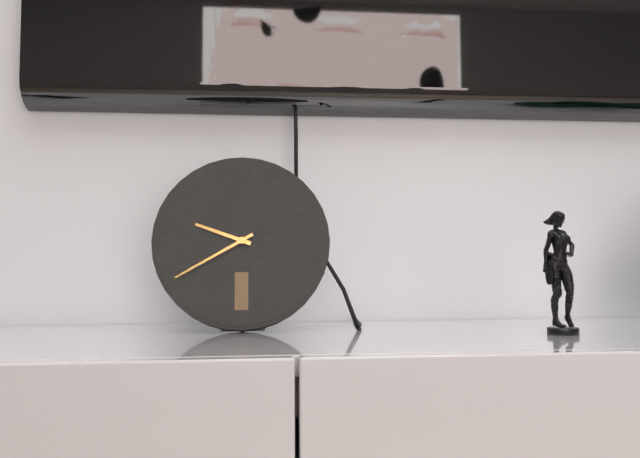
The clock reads 9:40
